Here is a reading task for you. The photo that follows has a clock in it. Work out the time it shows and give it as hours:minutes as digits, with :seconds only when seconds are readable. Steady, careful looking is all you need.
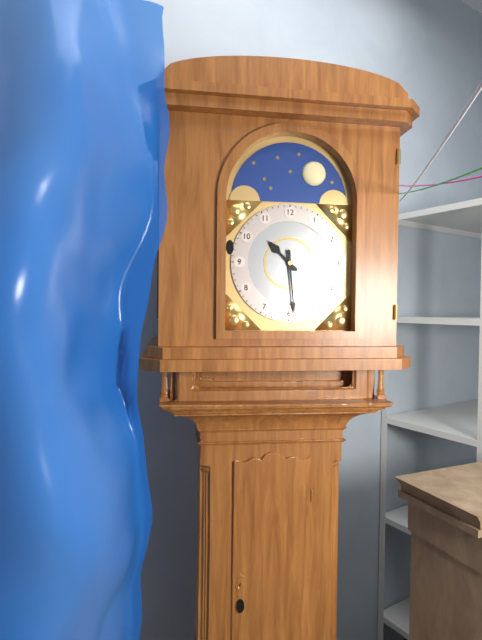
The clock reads 10:29
